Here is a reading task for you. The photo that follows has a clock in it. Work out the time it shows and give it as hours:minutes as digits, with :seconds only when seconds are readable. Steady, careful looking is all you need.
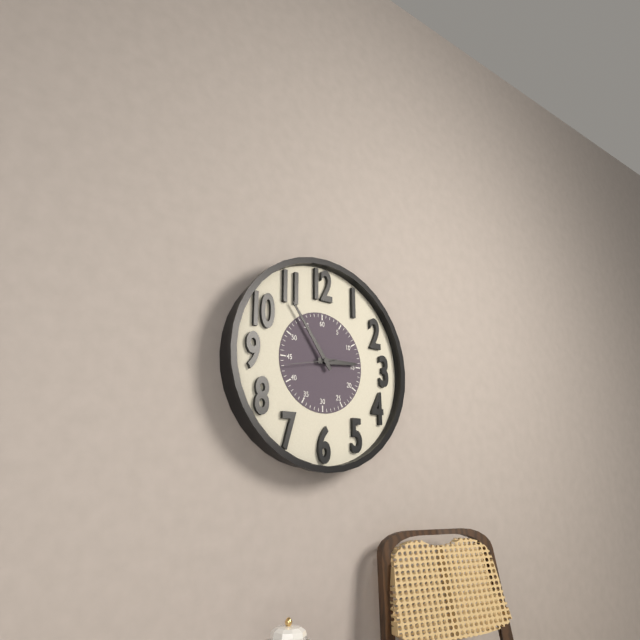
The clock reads 2:54
